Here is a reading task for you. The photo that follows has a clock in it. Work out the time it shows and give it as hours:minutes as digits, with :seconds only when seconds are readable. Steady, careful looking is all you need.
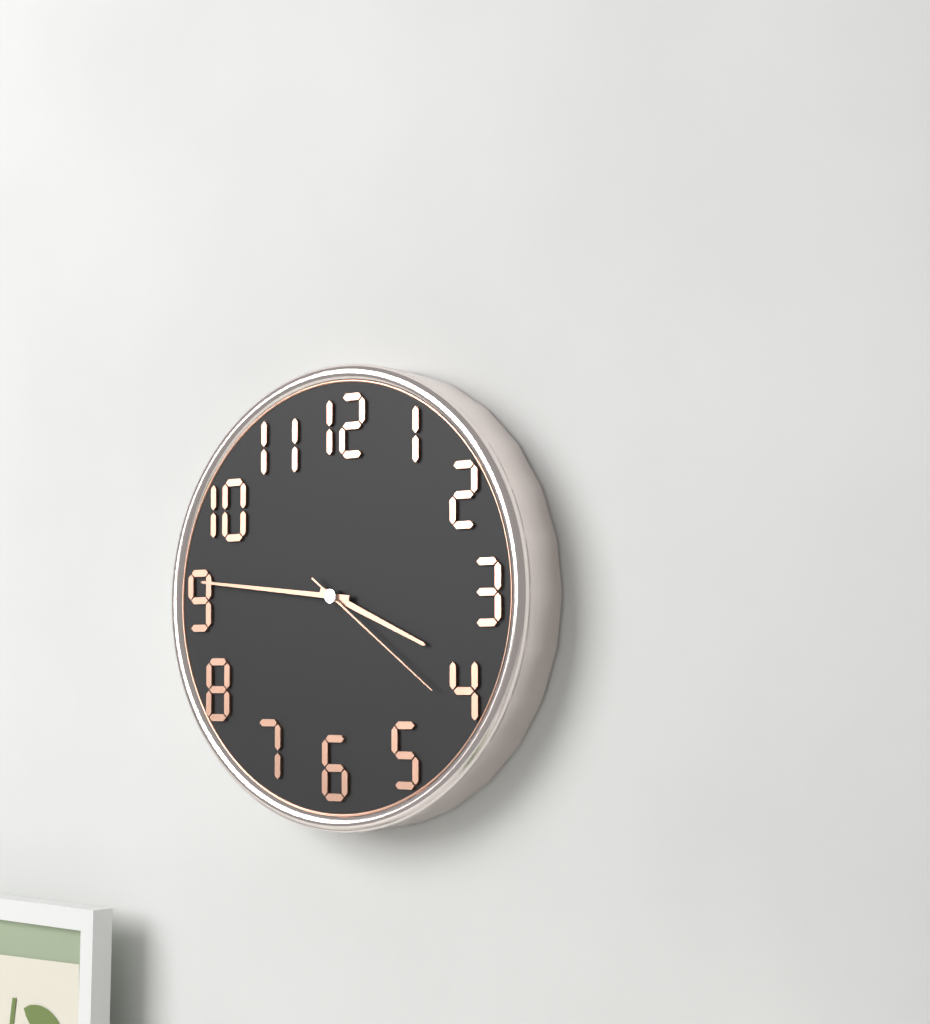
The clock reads 3:46:21
